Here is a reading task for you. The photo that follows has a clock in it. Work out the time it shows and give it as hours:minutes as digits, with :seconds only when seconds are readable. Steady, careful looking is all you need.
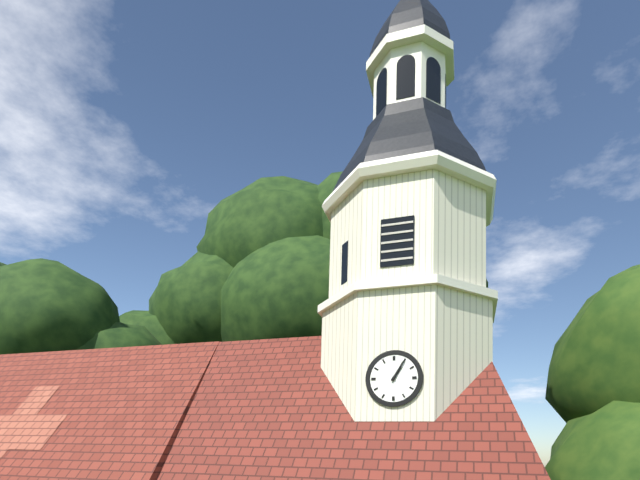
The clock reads 1:05
